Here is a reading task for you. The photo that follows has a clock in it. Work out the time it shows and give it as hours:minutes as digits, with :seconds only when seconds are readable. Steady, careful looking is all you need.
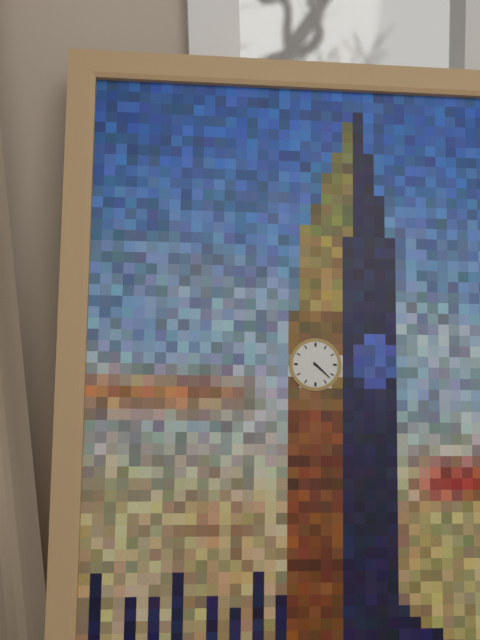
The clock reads 4:22
